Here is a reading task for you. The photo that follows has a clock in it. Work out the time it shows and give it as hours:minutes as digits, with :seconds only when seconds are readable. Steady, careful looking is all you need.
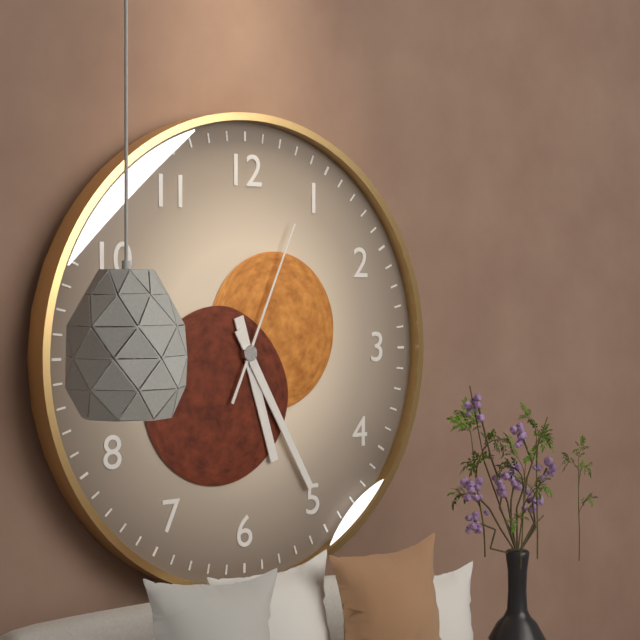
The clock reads 5:25:04
